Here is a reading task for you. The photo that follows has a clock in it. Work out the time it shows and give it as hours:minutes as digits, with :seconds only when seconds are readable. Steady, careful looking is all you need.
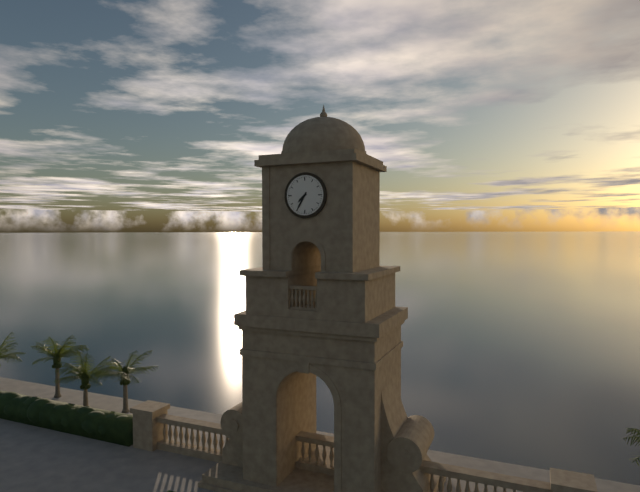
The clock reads 7:35
